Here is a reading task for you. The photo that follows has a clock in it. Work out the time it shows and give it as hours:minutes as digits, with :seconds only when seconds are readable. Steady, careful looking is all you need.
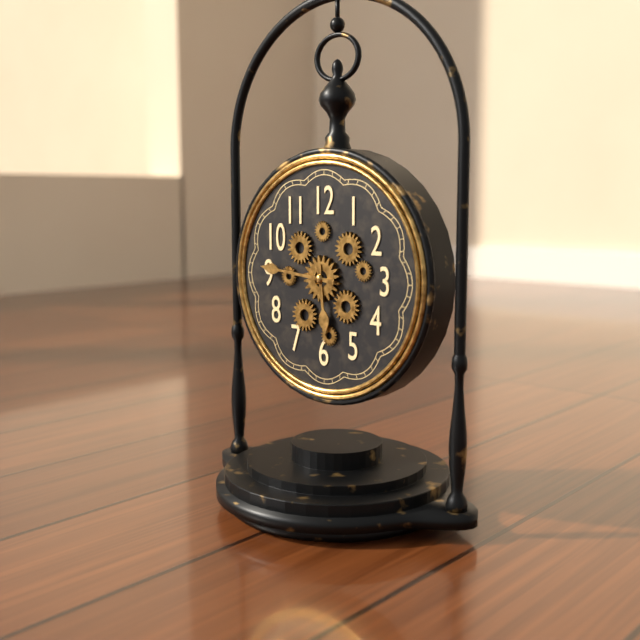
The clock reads 5:46
